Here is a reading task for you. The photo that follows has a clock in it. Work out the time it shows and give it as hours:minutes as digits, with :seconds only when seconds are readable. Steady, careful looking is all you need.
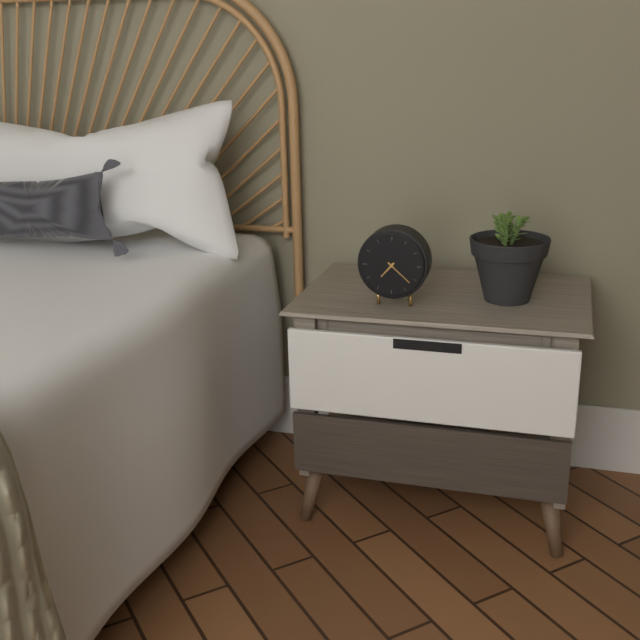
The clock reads 7:22
